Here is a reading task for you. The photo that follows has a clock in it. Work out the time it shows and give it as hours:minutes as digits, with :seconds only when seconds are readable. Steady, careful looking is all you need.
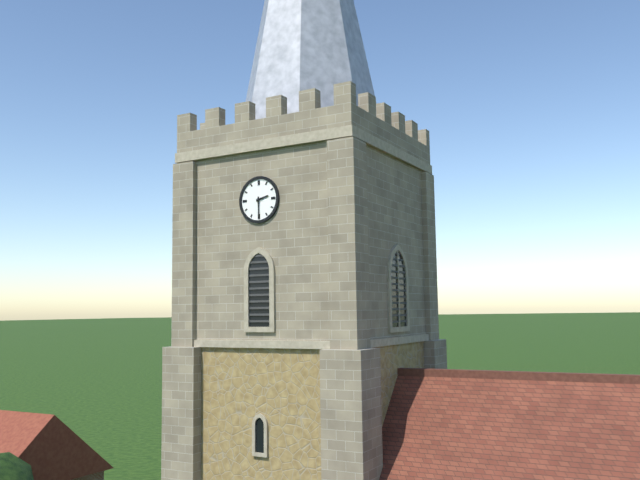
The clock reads 2:30
